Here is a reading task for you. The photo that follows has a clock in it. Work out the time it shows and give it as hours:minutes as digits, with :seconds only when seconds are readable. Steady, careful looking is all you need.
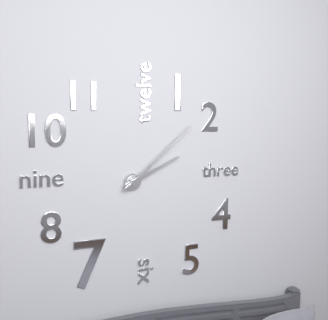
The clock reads 2:08
